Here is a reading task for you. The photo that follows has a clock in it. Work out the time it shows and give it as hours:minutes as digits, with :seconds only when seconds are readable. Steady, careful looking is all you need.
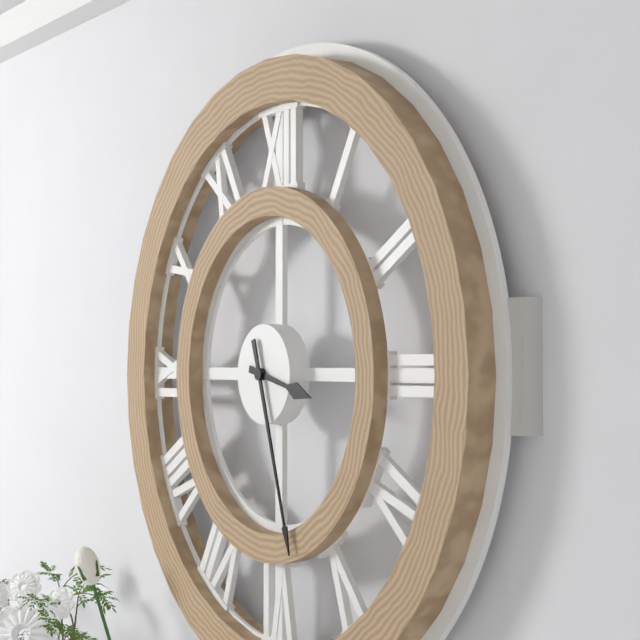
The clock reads 3:27
